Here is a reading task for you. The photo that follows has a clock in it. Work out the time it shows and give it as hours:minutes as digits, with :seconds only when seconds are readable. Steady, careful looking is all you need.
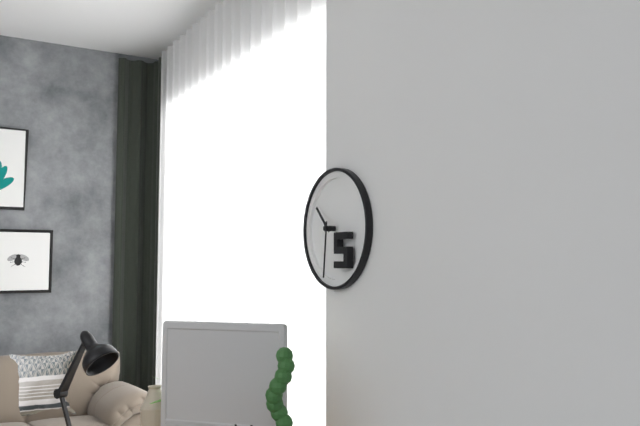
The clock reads 10:31
